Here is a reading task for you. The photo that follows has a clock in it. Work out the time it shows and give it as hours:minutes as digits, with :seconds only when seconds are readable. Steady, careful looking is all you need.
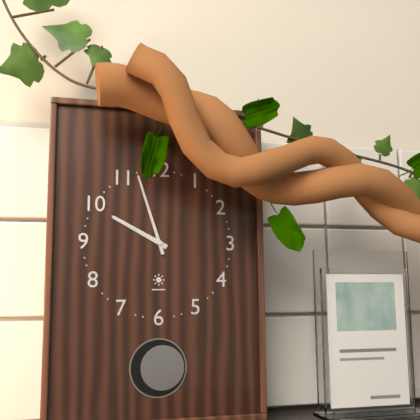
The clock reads 9:57
